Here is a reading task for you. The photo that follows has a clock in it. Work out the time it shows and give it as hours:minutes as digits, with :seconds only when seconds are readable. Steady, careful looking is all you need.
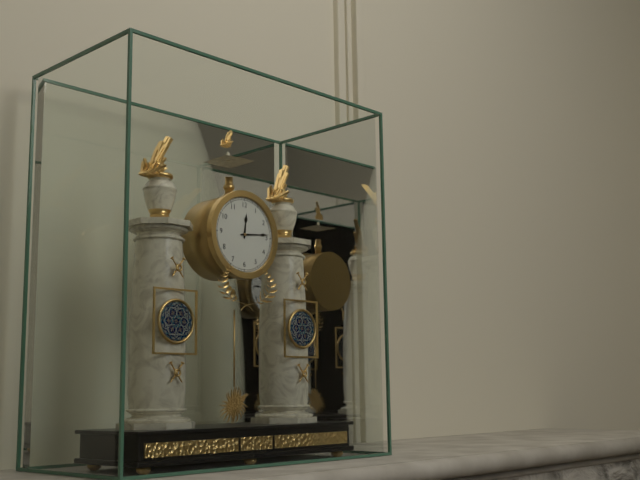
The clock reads 12:14
